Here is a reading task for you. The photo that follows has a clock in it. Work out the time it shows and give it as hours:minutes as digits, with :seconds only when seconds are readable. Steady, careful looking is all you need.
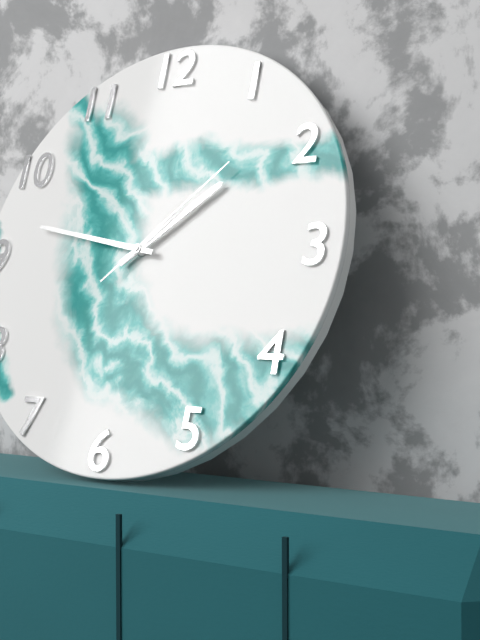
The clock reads 1:47:08
